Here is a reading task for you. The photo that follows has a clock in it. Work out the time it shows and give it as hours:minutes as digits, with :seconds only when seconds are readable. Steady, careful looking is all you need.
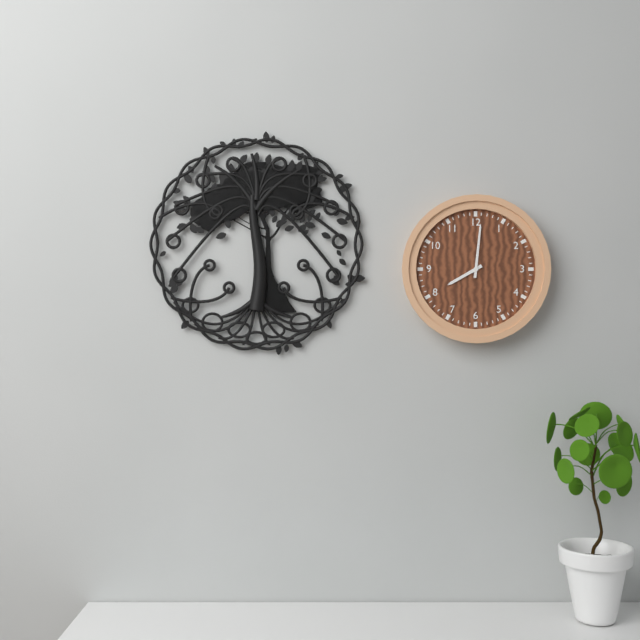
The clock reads 8:01
